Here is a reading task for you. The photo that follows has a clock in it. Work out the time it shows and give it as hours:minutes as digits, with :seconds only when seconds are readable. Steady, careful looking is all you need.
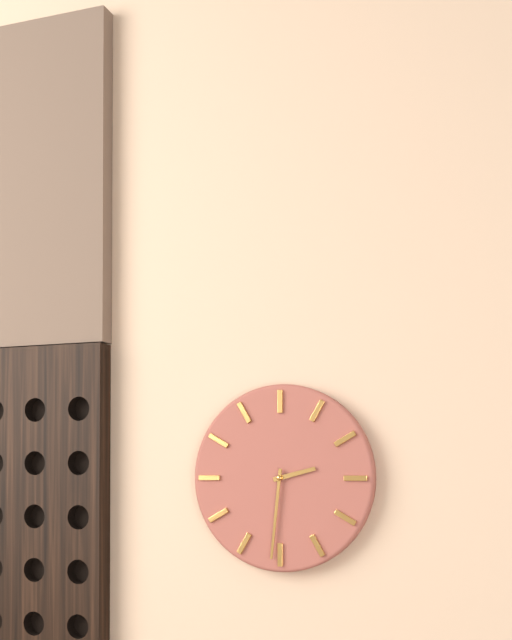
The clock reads 2:31
